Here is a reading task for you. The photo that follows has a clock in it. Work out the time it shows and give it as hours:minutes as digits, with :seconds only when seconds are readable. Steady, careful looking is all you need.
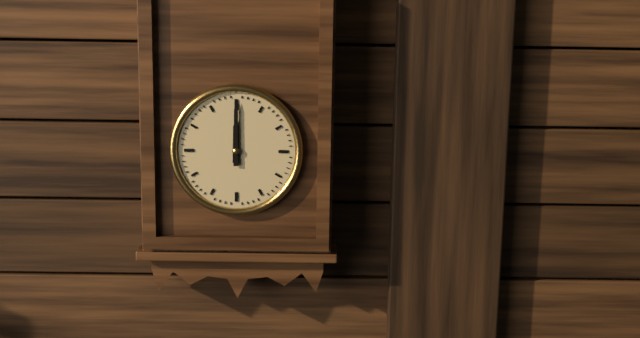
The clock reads 12:00
